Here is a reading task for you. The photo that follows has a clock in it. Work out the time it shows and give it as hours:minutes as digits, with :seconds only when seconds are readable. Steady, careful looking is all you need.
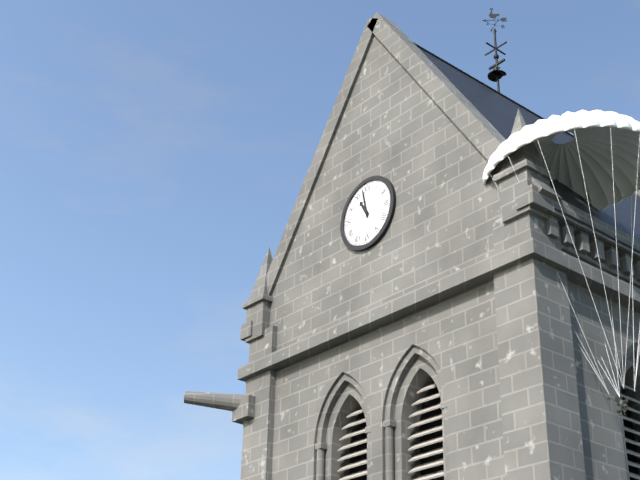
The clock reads 10:58
